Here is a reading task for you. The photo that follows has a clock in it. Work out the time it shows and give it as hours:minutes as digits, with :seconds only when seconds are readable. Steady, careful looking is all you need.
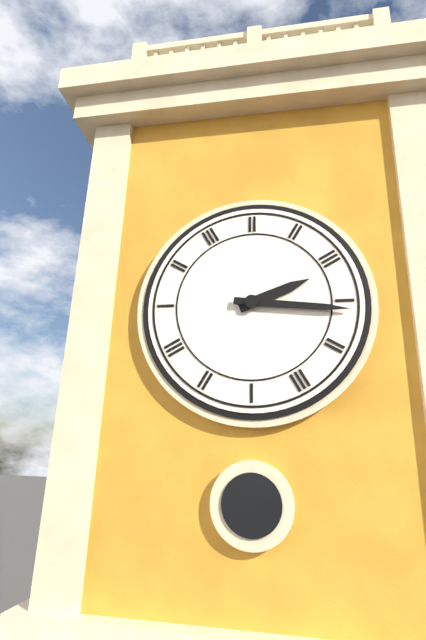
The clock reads 2:16
